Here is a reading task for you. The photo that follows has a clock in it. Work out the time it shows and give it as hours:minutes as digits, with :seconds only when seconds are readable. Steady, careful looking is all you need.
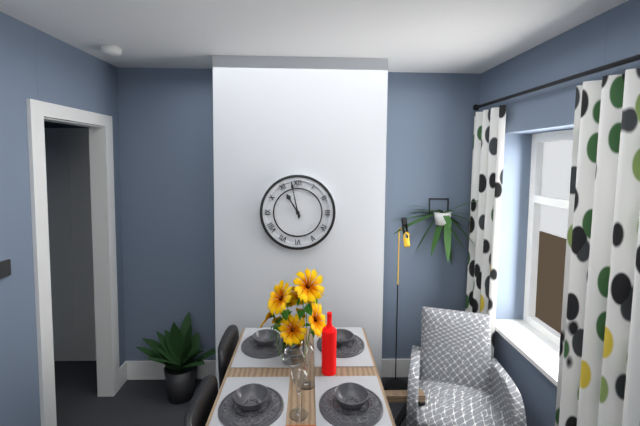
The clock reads 10:58
